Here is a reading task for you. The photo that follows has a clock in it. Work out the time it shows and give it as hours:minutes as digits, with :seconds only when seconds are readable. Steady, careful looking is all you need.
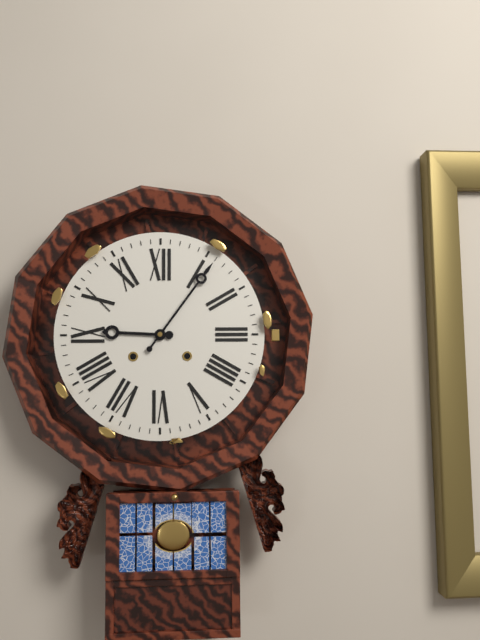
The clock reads 9:06
